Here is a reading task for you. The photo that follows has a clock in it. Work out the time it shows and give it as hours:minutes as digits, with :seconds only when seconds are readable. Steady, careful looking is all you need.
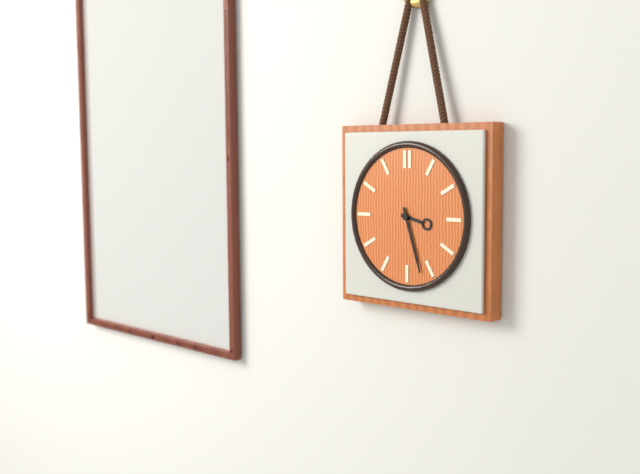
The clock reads 3:27
